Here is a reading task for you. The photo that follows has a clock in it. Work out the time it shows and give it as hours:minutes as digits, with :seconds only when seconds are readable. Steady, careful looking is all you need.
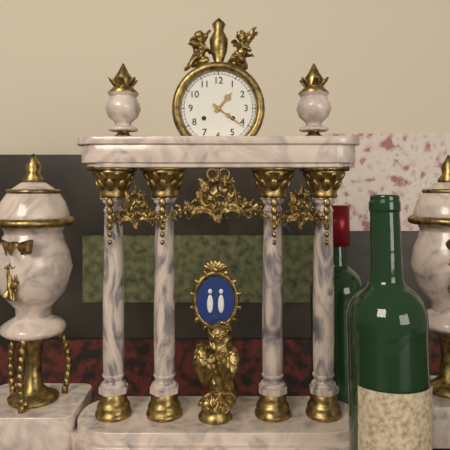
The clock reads 1:21
